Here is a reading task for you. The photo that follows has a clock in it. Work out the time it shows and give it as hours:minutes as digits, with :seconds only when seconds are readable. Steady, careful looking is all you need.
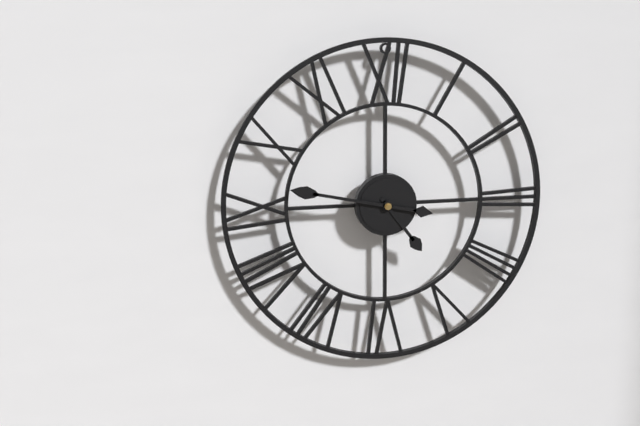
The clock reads 4:47
